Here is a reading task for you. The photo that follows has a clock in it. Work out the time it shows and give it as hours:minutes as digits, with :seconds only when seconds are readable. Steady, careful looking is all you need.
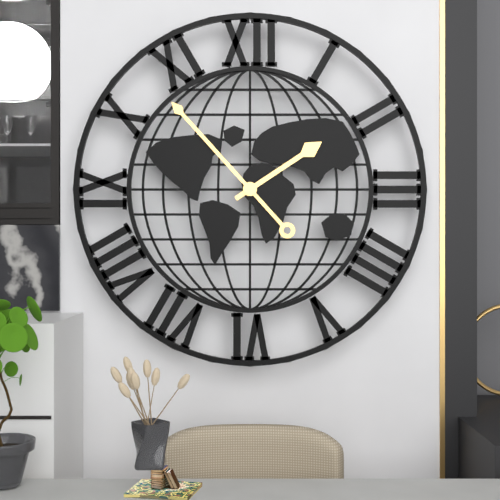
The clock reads 1:53
